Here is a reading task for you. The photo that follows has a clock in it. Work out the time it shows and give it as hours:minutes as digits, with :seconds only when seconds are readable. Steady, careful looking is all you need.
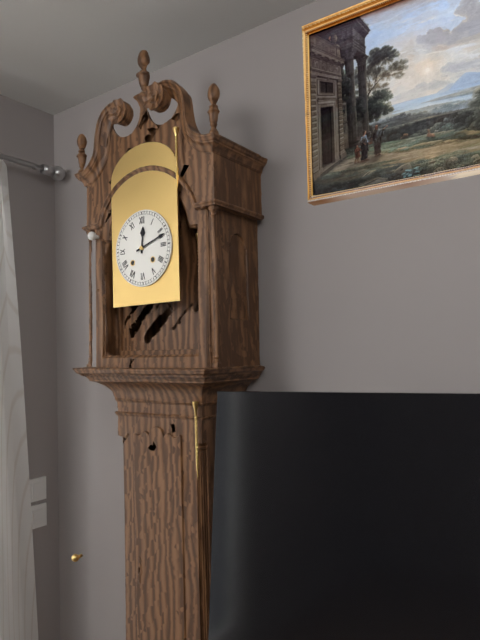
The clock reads 12:12
